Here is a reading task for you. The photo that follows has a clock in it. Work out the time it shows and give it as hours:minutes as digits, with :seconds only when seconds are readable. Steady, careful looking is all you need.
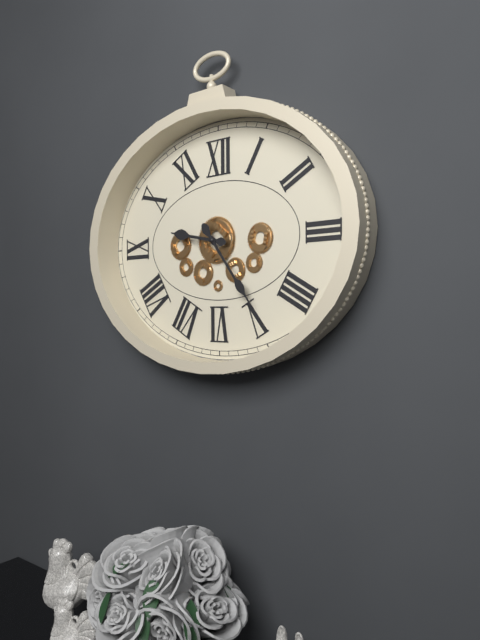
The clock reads 9:24
